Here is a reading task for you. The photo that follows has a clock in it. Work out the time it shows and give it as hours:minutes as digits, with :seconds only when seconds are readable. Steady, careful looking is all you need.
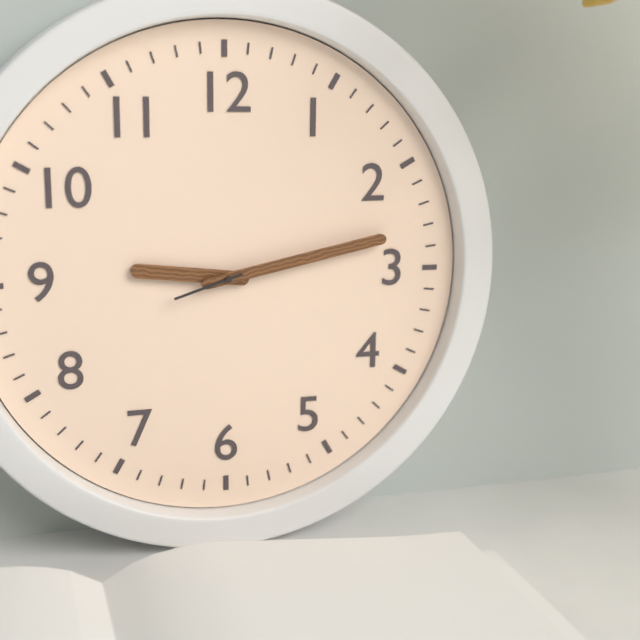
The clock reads 9:13:42
